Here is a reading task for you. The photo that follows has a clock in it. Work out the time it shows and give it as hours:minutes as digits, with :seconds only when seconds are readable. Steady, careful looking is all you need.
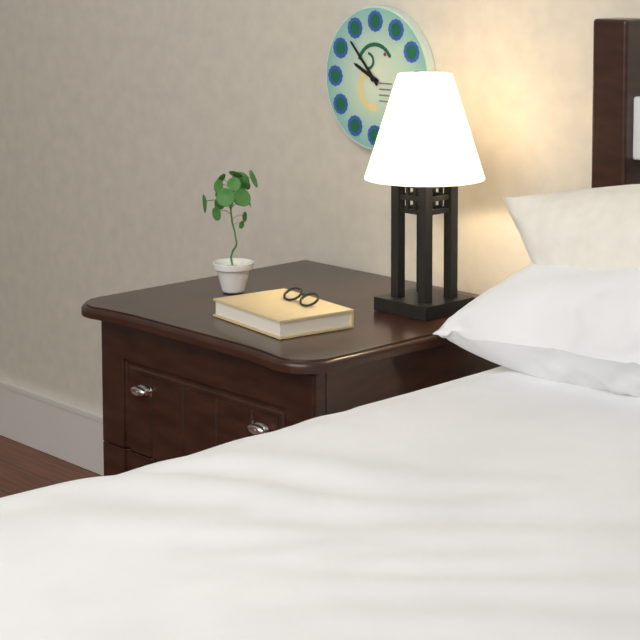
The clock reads 9:53
